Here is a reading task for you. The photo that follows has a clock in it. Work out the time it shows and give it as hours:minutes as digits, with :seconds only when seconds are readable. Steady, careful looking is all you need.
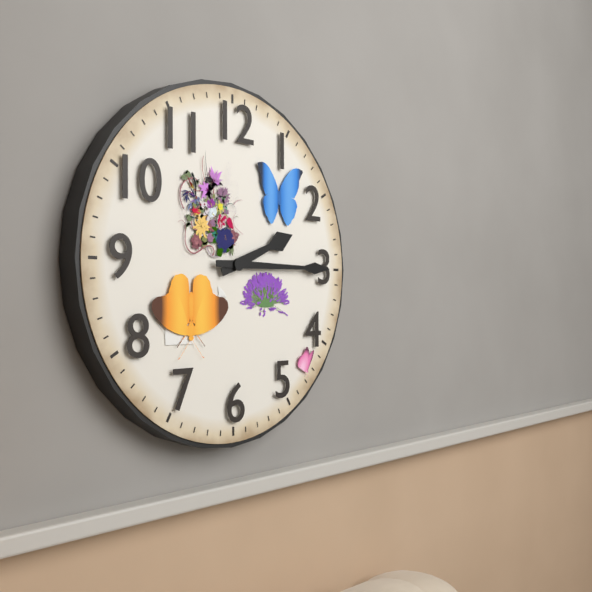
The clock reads 2:15
